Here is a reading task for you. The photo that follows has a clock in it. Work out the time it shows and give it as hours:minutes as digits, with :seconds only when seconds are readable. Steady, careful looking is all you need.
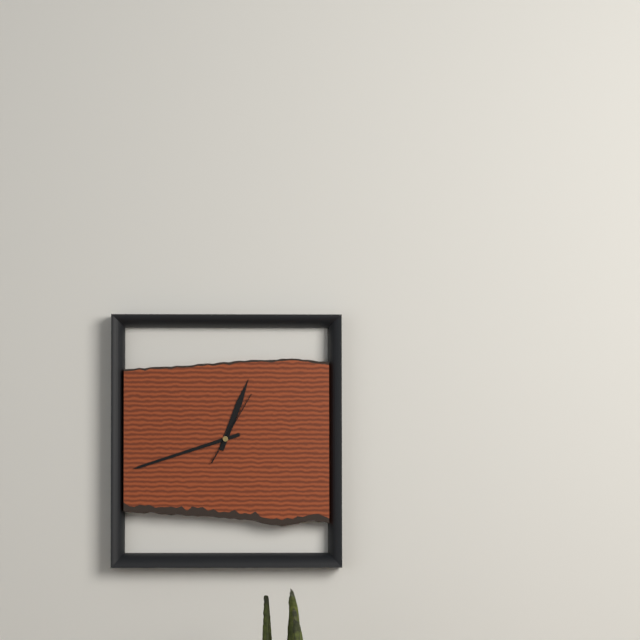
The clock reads 12:42:05
